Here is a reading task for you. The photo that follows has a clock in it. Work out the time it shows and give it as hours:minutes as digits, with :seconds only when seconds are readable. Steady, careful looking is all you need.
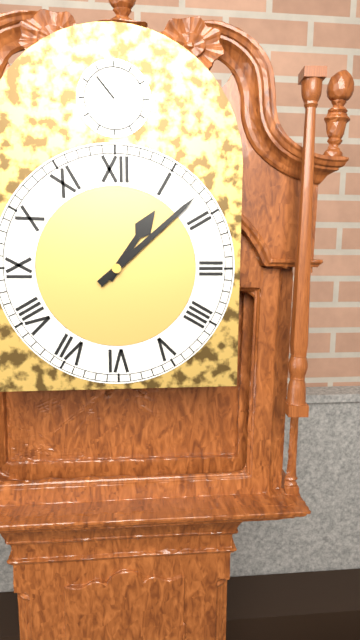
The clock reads 1:08
